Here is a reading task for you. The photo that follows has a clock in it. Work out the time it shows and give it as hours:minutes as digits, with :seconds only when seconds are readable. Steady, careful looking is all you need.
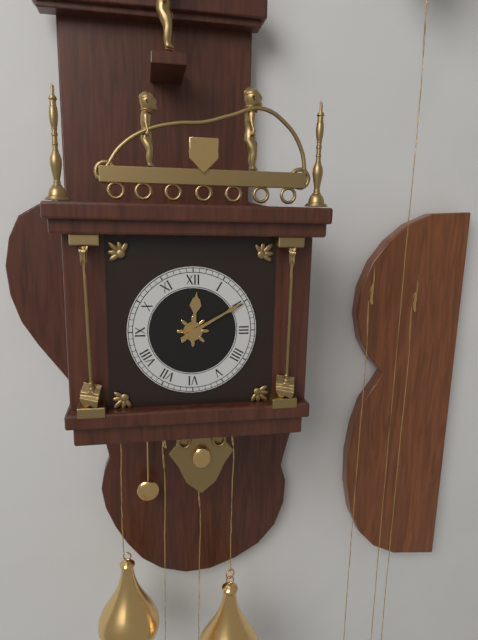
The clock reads 12:10
